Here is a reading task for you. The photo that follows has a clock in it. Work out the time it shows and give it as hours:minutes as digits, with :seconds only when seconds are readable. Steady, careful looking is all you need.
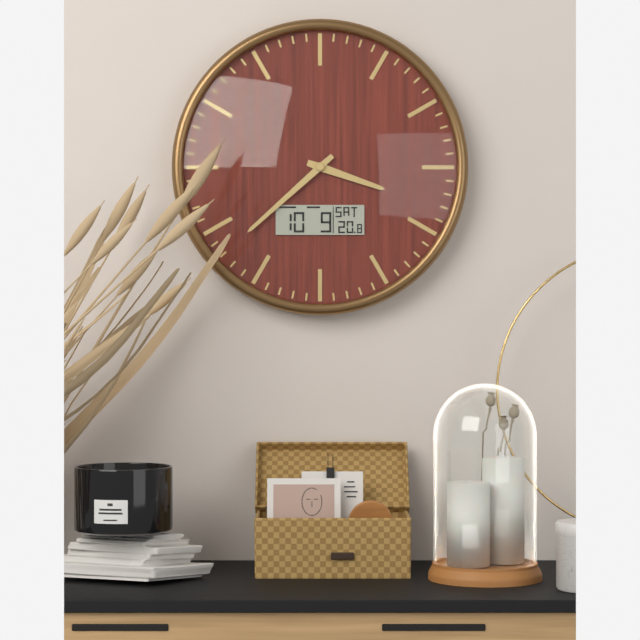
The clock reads 3:38
